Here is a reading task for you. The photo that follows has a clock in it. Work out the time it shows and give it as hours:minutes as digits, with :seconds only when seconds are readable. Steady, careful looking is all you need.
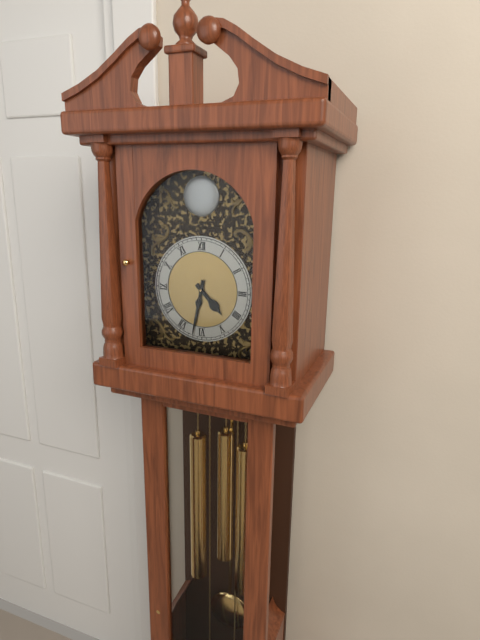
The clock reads 4:32
